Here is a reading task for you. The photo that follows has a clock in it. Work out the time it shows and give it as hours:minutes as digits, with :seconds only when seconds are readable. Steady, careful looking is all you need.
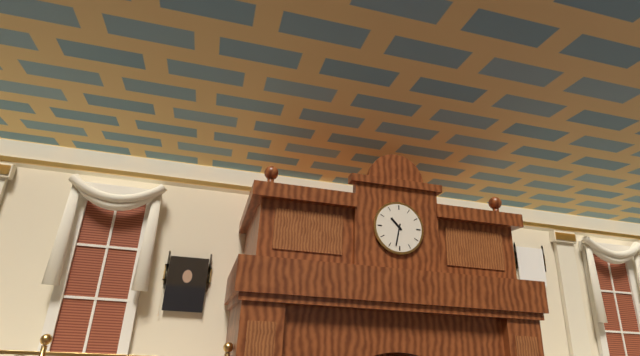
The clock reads 10:32
